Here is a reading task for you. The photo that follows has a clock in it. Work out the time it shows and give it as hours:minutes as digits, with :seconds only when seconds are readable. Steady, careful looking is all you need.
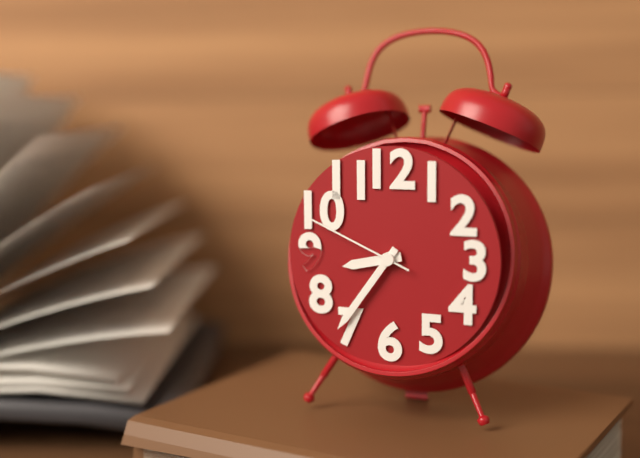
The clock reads 8:36:49
